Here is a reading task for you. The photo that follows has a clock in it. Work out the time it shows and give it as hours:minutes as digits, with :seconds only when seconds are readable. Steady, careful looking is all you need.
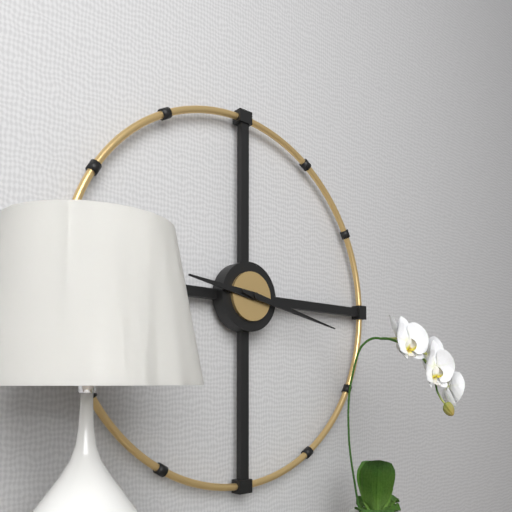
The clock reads 9:17
